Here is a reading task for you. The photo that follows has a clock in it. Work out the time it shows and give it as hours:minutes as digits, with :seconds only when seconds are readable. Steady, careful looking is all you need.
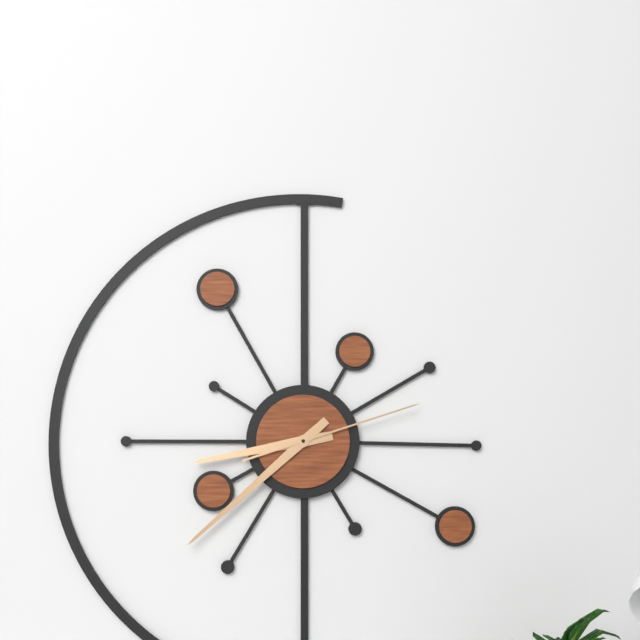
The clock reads 8:38:12
